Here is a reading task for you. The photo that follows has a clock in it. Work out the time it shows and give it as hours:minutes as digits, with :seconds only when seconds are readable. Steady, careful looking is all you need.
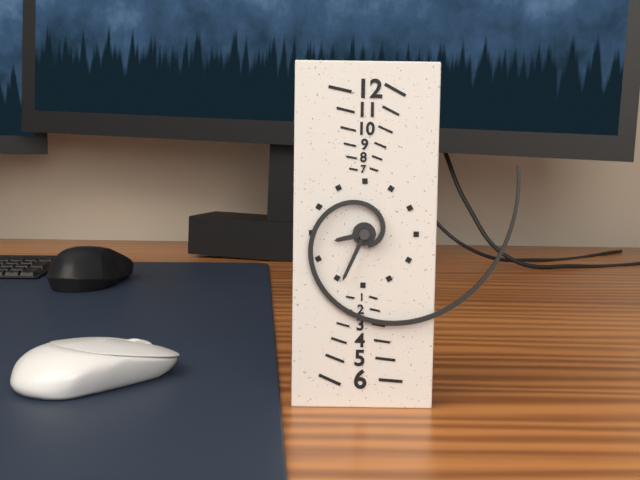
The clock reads 8:34
